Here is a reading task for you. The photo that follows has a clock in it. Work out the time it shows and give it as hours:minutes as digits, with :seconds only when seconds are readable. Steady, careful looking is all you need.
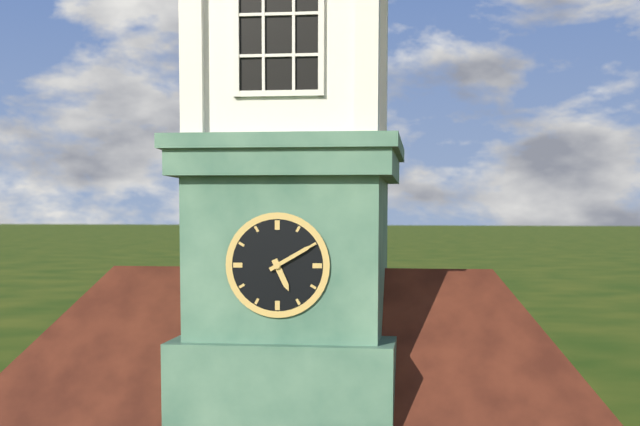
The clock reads 5:10
